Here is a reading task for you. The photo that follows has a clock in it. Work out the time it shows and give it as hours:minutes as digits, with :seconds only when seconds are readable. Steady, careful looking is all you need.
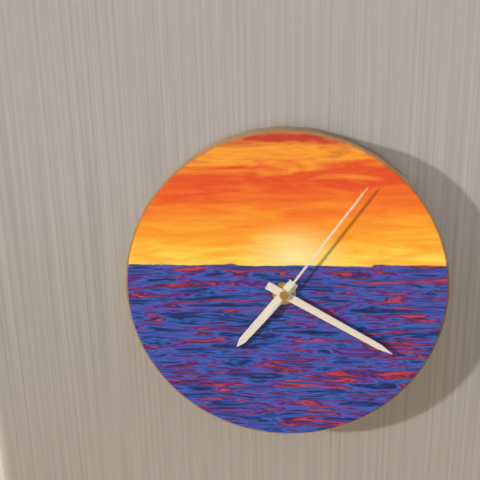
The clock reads 7:20:06
